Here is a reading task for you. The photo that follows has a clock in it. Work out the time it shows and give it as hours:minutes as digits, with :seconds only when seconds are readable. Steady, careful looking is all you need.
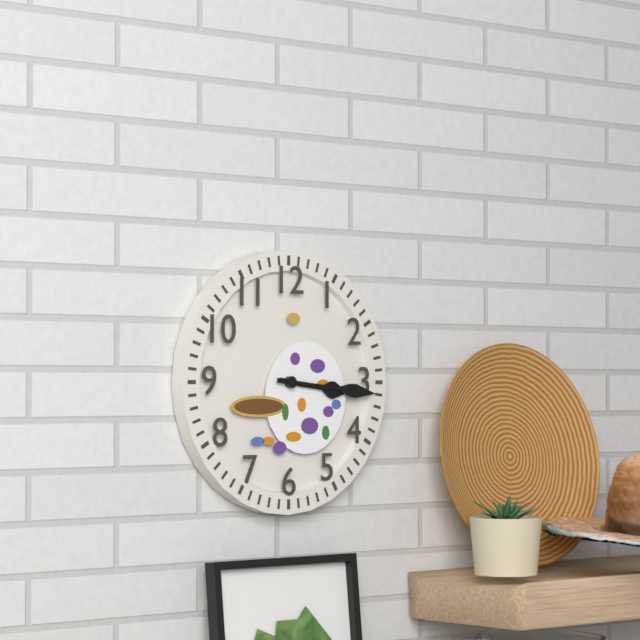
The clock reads 3:16
